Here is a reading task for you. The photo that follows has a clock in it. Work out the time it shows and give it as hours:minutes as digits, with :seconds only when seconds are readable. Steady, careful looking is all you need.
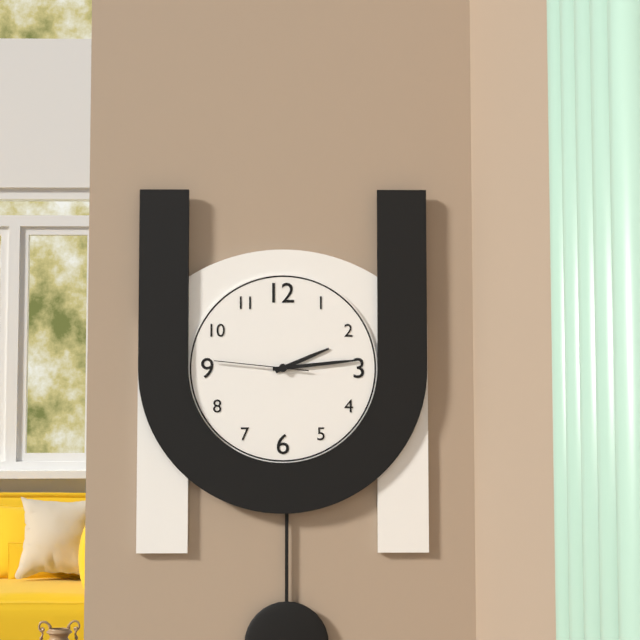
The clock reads 2:14:46
